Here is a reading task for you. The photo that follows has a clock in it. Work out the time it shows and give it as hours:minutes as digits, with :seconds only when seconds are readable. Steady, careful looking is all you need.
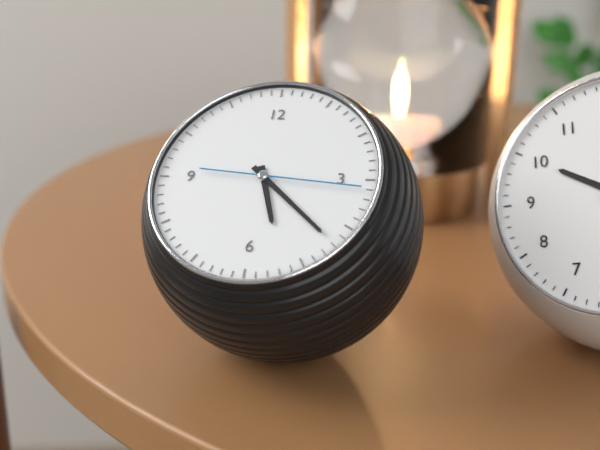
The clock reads 5:22:16
